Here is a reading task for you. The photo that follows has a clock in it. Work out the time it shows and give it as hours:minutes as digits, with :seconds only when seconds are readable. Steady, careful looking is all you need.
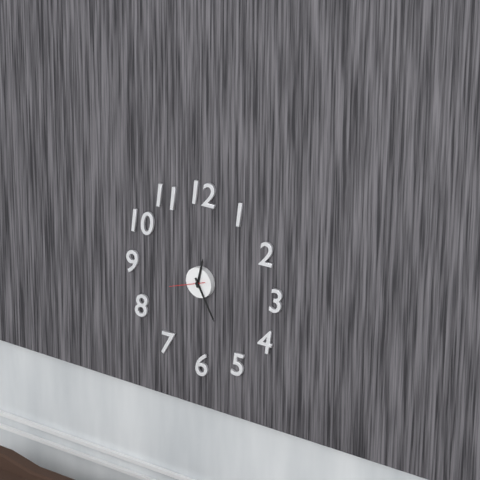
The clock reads 12:25
